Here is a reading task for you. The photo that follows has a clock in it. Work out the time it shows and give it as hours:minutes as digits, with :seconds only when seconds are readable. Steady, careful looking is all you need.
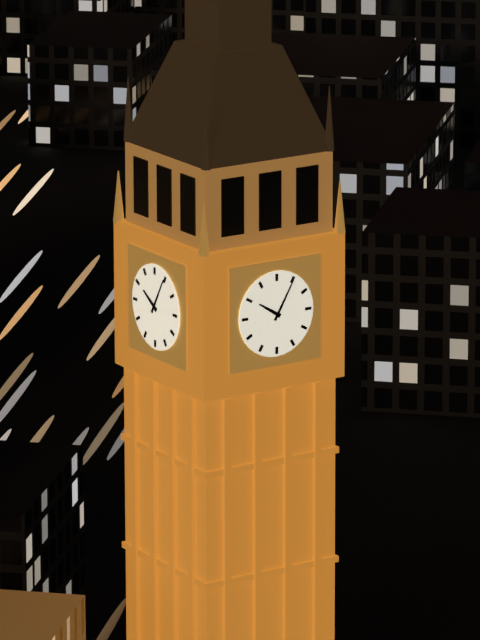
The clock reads 10:05
